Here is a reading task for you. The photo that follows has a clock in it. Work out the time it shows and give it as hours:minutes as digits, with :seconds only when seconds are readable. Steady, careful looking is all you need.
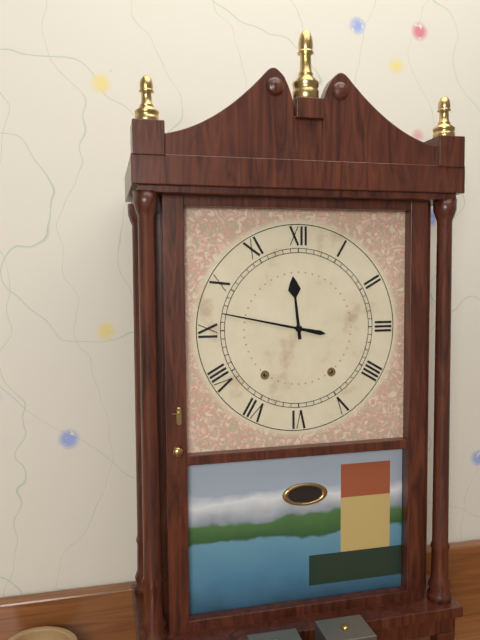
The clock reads 11:47
